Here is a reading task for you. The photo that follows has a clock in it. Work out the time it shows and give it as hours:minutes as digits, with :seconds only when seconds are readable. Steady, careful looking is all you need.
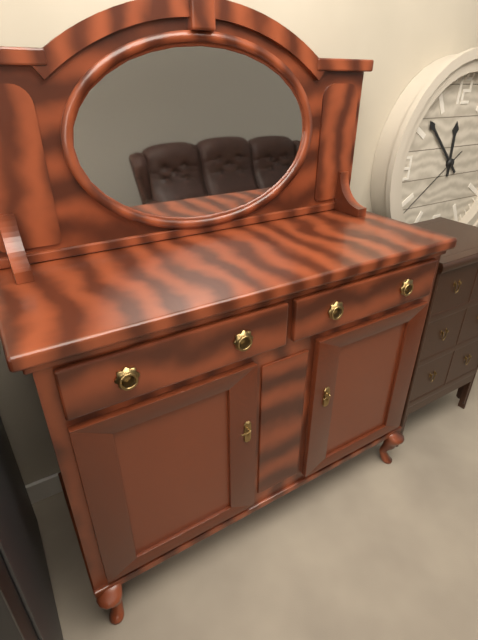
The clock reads 11:52:39
